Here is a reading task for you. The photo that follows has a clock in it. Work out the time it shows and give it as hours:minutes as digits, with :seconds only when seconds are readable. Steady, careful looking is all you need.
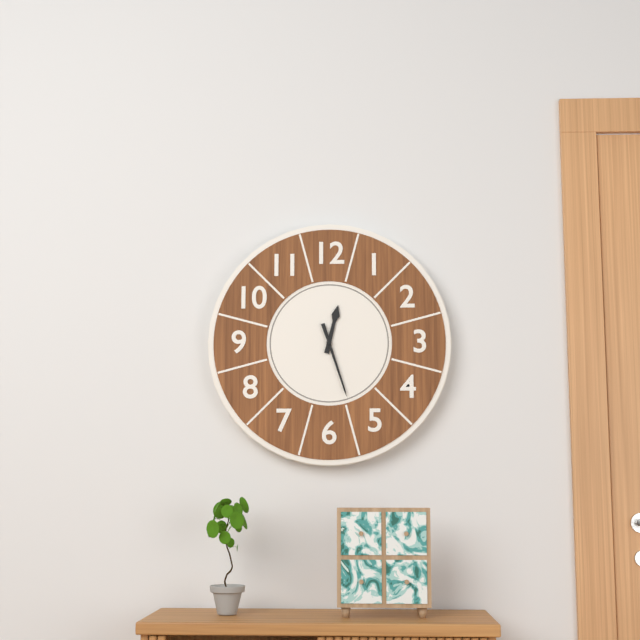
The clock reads 12:27
